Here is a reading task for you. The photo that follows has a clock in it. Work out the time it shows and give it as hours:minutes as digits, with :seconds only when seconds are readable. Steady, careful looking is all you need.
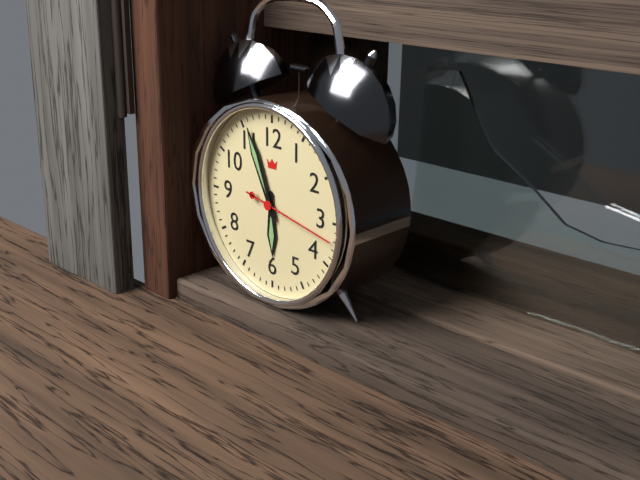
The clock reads 5:56:17
